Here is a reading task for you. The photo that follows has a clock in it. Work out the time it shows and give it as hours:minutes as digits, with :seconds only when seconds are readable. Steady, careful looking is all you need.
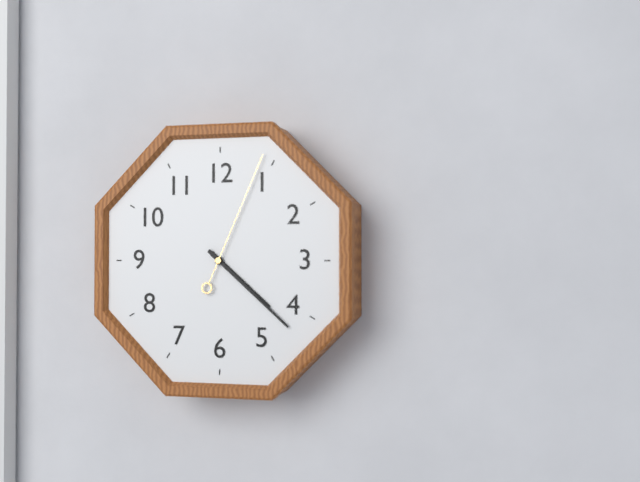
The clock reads 4:22:04
